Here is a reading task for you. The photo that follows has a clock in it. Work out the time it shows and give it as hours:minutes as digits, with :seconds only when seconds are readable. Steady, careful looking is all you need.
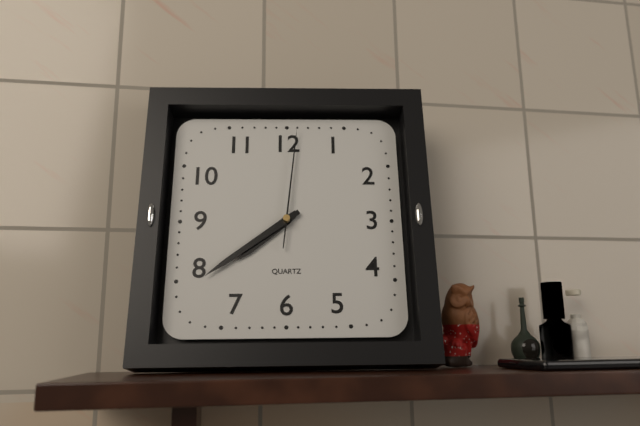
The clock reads 7:39:01
